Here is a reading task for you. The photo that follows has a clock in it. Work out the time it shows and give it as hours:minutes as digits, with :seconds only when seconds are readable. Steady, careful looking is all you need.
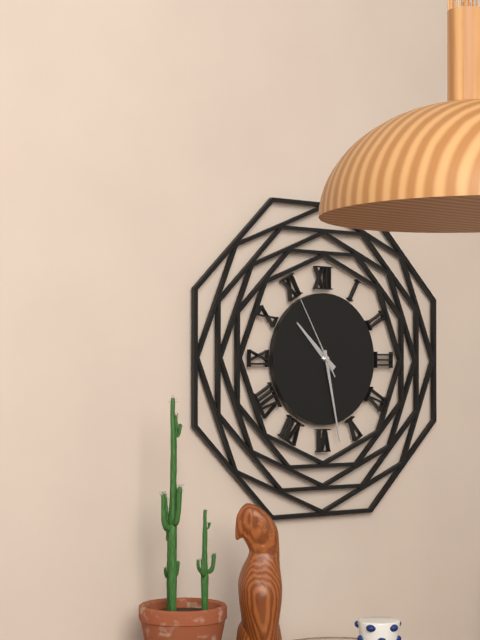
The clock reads 10:28:55
